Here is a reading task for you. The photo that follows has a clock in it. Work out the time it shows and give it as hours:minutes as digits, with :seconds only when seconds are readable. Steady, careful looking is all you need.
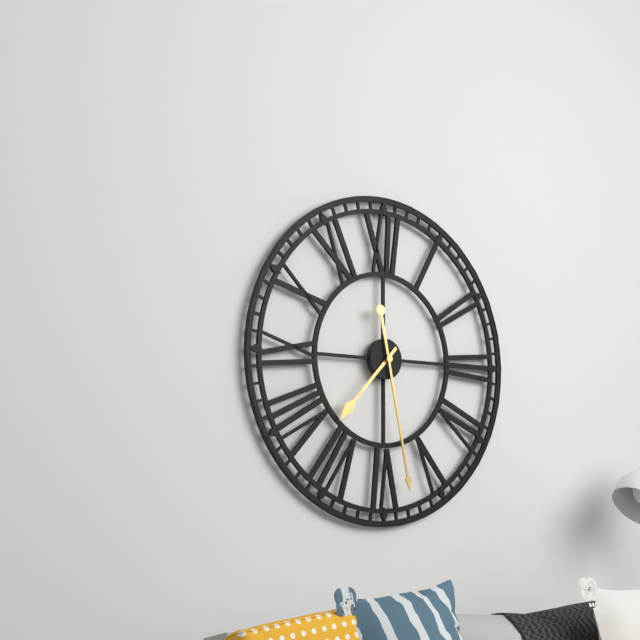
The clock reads 7:28
